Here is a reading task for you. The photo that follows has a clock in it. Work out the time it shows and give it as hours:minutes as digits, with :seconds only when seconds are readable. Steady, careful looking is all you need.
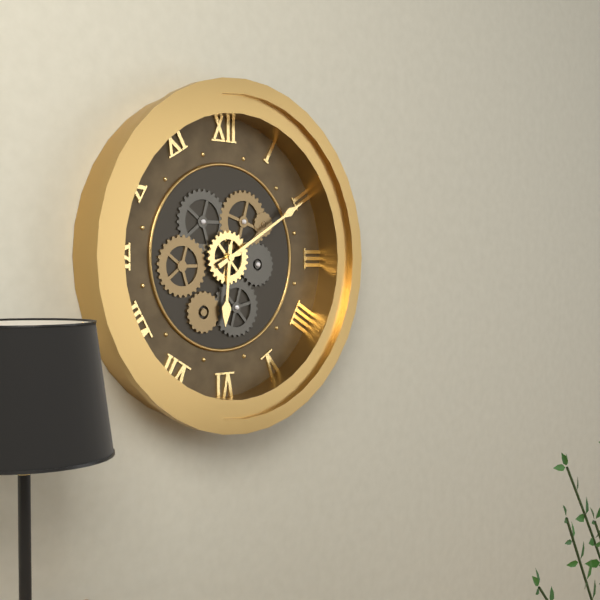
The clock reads 6:10
